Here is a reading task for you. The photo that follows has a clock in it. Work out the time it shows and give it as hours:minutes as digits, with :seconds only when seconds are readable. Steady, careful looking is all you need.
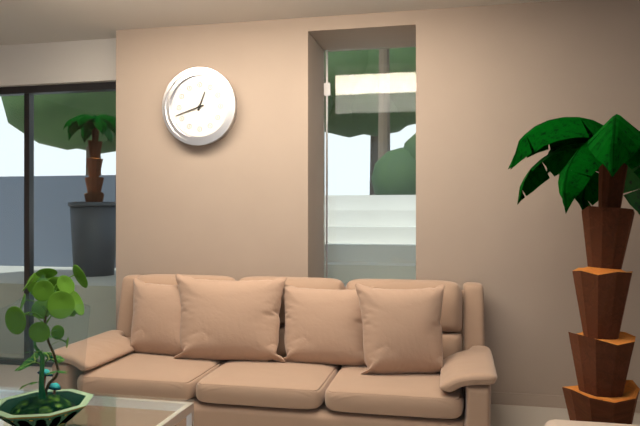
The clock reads 12:42
